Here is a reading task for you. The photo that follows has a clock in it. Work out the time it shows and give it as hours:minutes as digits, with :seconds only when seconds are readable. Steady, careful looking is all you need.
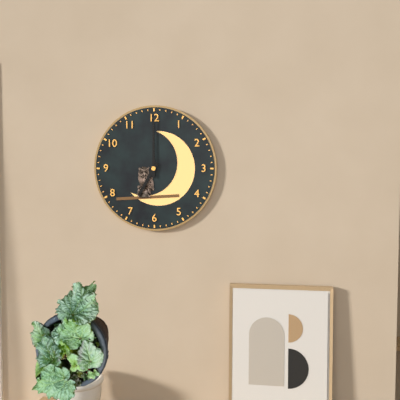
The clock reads 7:00
